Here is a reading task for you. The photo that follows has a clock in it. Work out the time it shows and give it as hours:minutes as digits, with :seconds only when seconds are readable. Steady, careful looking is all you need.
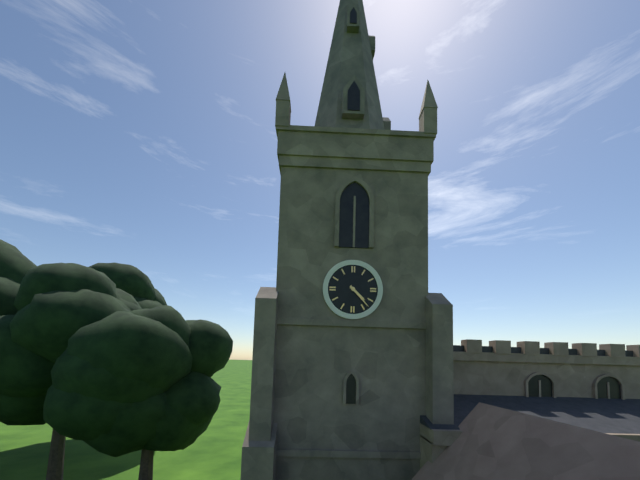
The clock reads 4:23
